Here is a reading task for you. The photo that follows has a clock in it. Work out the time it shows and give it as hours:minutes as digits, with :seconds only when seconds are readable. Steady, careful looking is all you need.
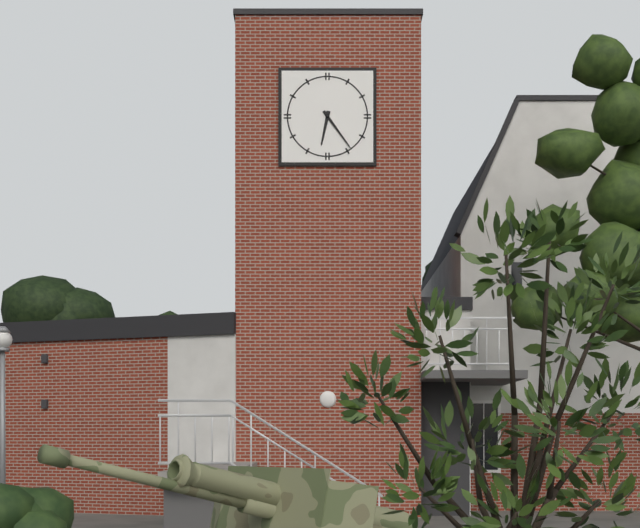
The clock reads 6:24
